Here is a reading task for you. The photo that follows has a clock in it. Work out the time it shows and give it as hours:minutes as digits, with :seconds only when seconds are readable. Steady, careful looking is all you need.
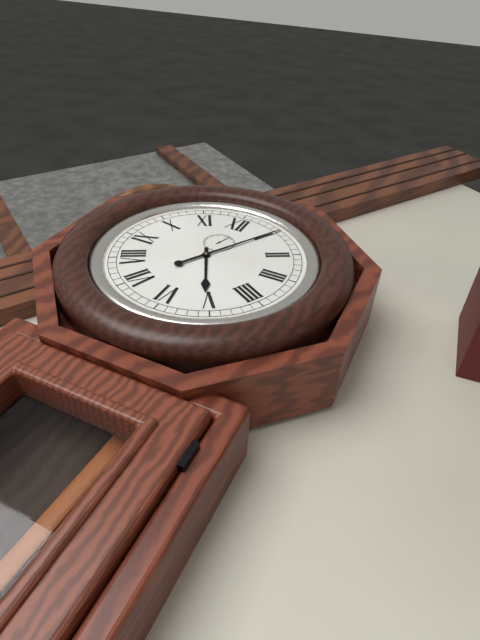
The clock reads 5:05
